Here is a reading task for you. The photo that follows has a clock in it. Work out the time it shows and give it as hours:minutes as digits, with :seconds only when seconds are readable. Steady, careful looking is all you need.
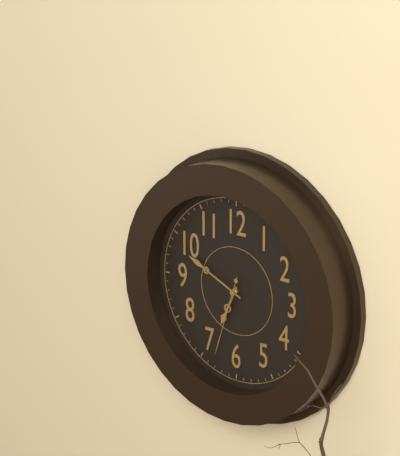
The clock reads 6:49:33
